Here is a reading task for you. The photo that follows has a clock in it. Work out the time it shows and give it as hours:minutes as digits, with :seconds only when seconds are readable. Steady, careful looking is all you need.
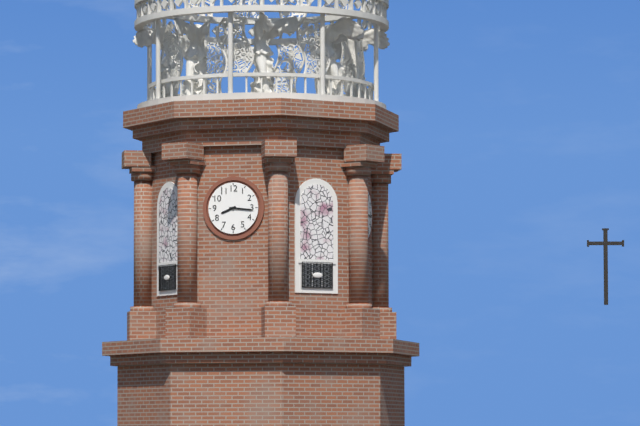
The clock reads 8:16
